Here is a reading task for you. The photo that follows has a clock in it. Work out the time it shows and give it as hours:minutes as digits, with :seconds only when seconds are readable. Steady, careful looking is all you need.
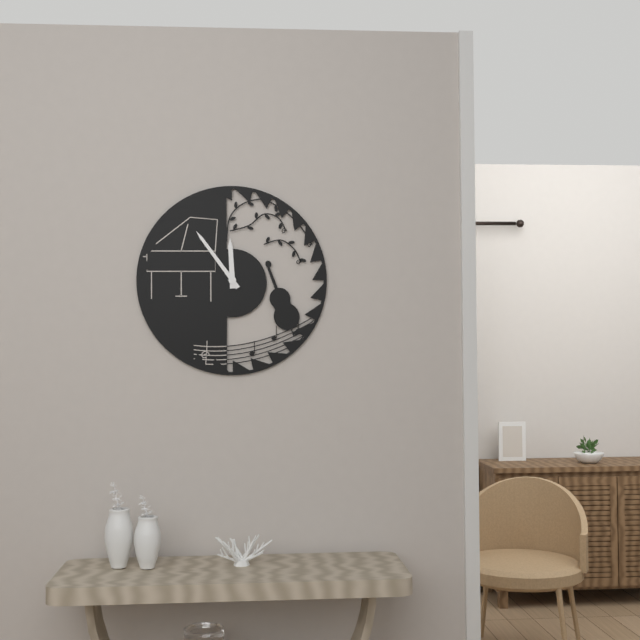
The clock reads 11:54
